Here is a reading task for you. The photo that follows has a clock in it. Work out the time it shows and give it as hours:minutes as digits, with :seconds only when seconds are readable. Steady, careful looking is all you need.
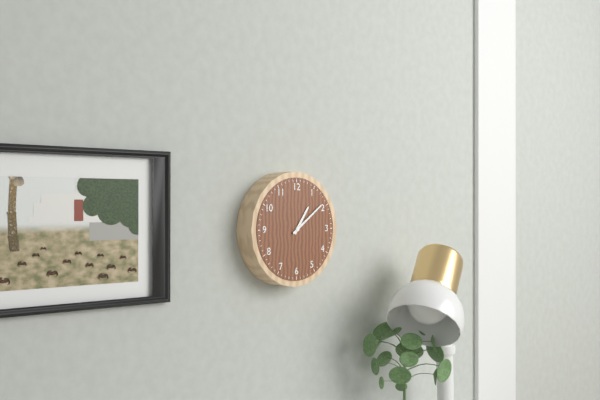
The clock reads 1:09
